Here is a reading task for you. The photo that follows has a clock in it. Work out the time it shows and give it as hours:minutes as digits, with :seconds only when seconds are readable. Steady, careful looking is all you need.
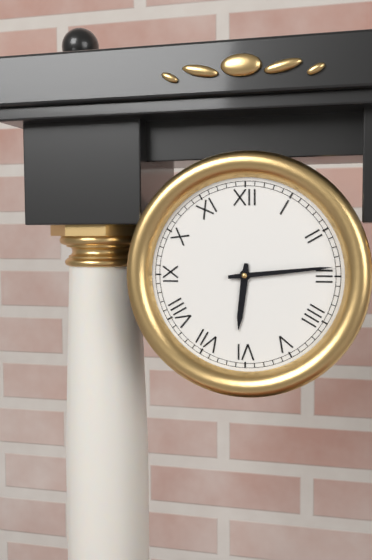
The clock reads 6:14
